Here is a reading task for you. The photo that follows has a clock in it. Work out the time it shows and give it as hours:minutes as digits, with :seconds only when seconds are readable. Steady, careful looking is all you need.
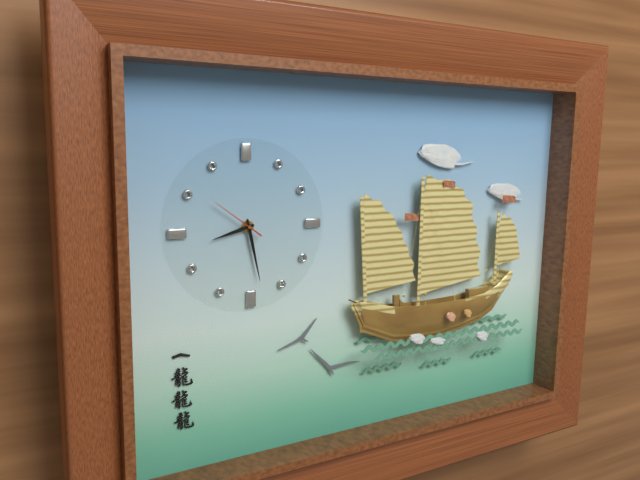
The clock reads 8:28:51
